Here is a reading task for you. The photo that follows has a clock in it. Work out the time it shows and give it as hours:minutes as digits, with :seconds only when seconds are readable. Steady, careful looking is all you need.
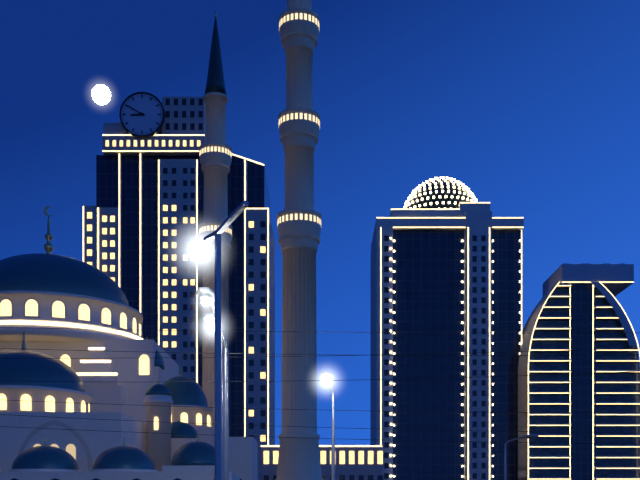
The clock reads 8:50
